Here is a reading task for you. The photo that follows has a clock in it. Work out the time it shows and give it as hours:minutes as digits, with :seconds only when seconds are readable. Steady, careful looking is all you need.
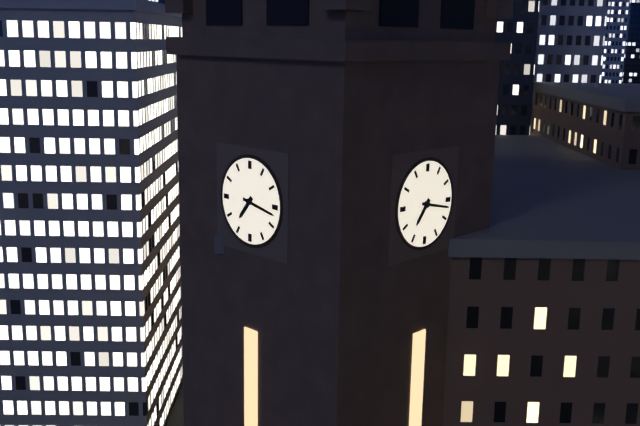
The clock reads 7:17
